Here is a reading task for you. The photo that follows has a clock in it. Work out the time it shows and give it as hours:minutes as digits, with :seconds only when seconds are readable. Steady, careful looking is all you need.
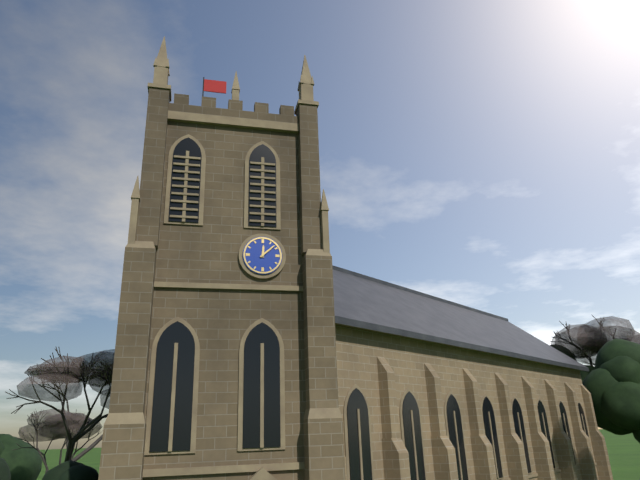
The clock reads 12:08
